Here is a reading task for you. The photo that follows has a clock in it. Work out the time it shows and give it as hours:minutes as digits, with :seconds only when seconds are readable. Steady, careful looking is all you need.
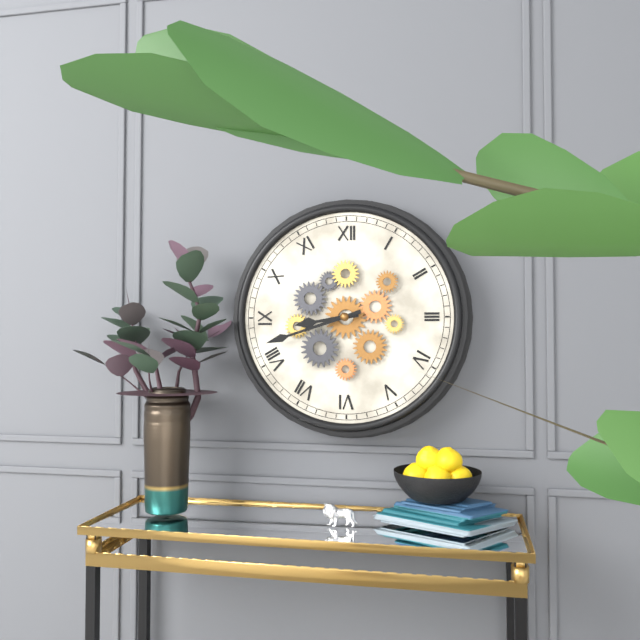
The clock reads 8:42
